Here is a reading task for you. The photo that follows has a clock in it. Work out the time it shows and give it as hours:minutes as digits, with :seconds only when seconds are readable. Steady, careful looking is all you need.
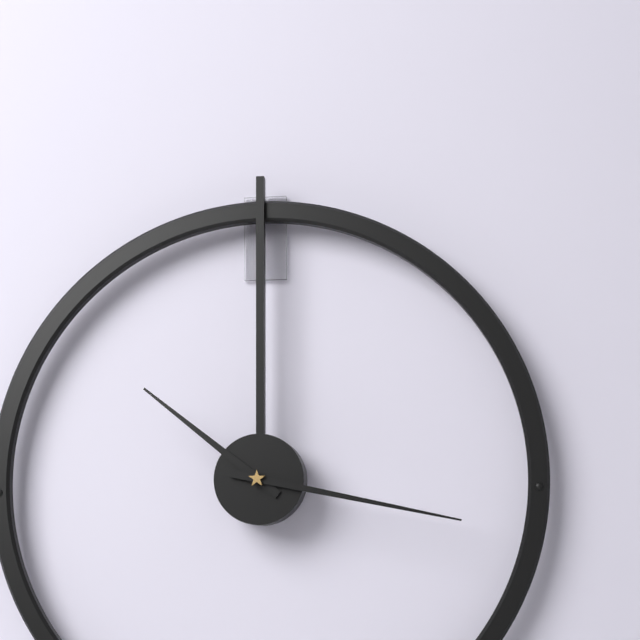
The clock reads 10:17
